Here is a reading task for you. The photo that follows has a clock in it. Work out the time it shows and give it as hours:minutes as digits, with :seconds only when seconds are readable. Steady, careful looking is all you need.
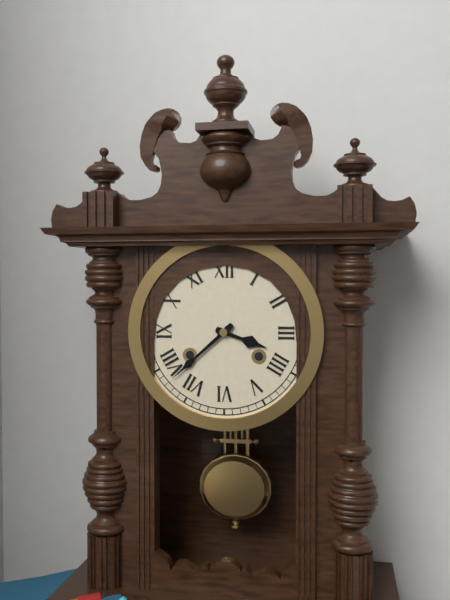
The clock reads 3:38
